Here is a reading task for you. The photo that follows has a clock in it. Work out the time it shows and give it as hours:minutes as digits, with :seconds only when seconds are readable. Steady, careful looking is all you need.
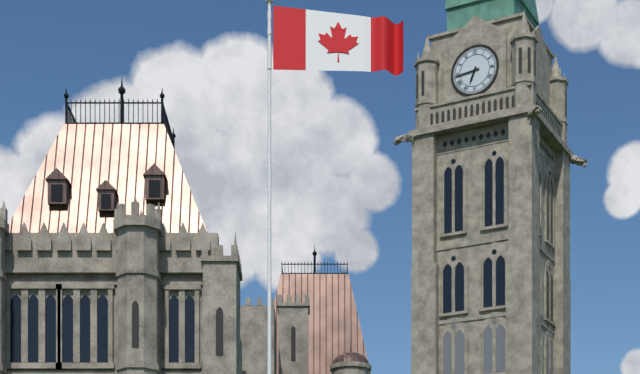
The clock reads 6:44
